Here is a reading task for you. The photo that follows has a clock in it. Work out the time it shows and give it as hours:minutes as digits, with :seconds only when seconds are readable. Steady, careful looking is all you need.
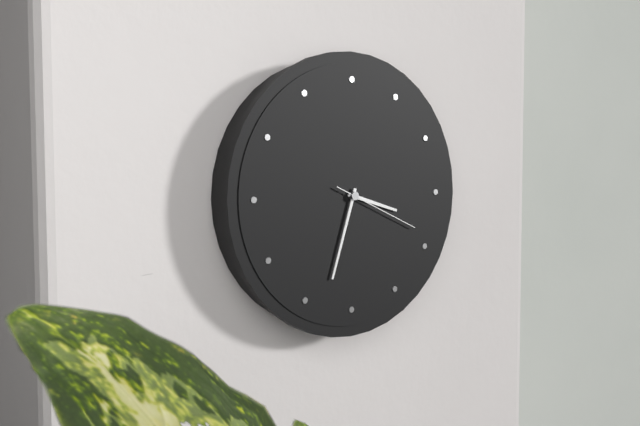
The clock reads 3:33:19
